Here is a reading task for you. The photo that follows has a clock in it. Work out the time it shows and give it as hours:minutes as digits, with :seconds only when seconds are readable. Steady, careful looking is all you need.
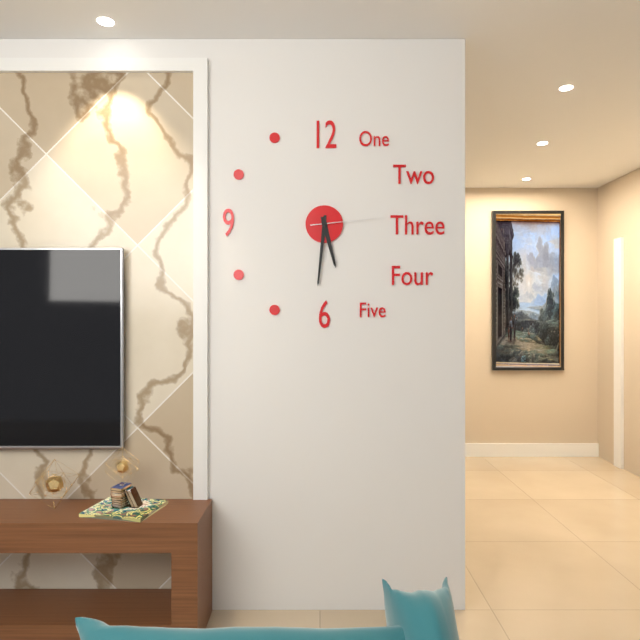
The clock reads 5:31:14
